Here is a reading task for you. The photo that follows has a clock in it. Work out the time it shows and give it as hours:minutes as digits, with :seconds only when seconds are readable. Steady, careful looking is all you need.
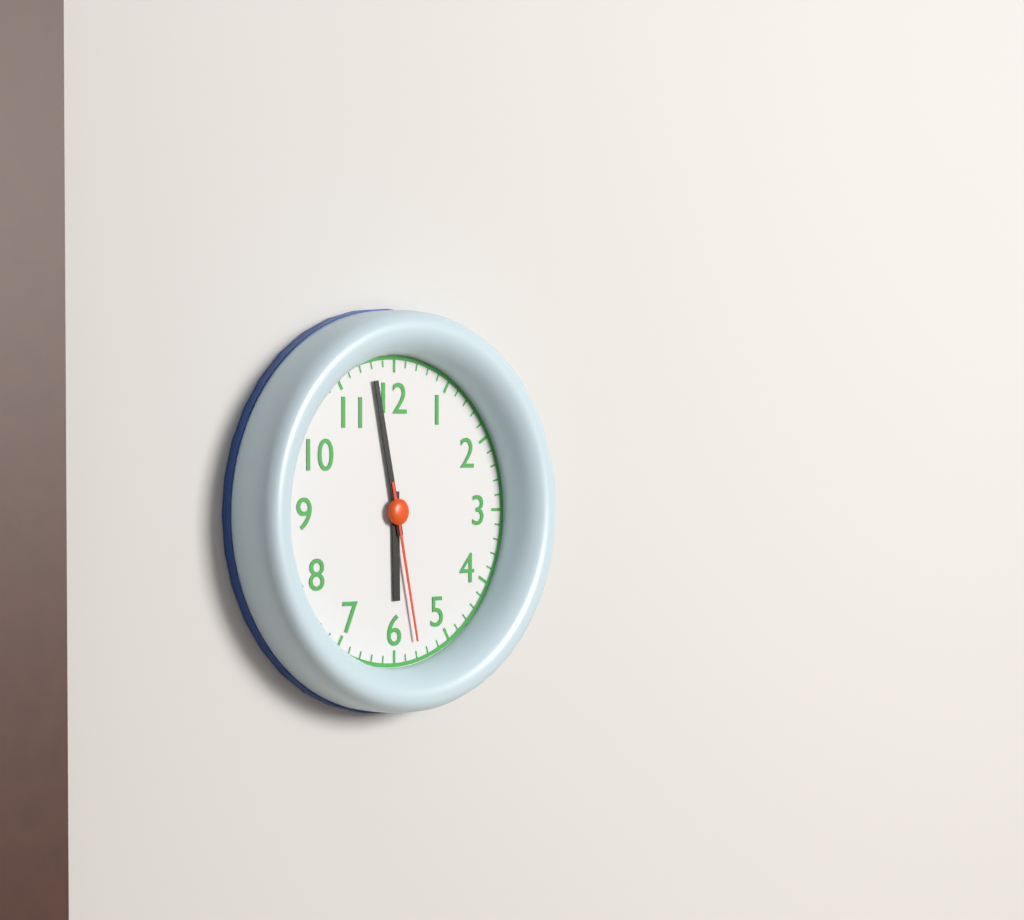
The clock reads 5:58:28
